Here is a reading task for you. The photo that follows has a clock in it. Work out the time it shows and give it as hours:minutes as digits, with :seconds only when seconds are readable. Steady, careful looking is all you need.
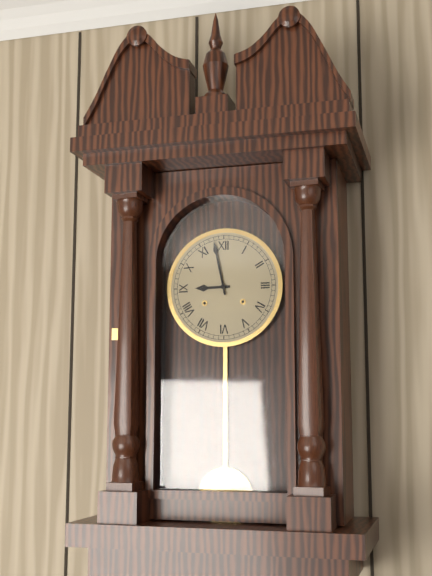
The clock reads 8:58
